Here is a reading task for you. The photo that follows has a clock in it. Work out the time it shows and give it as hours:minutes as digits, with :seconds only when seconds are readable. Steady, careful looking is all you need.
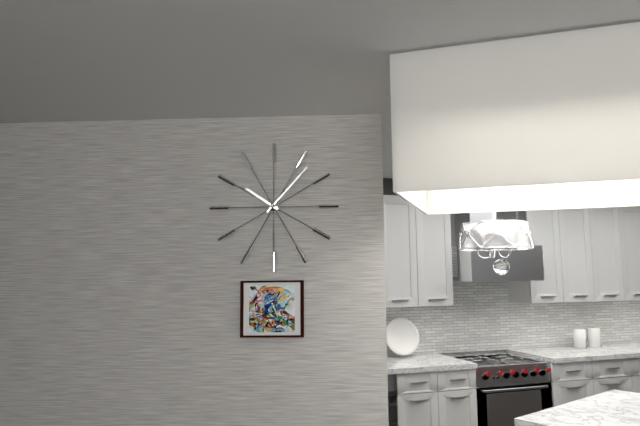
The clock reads 10:07
